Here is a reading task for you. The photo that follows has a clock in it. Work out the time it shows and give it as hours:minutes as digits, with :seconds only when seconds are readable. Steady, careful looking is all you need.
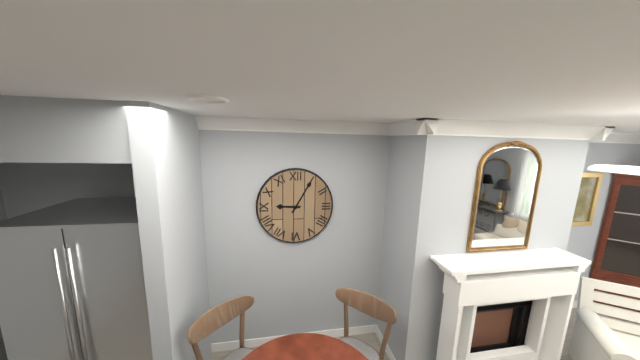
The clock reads 9:05
